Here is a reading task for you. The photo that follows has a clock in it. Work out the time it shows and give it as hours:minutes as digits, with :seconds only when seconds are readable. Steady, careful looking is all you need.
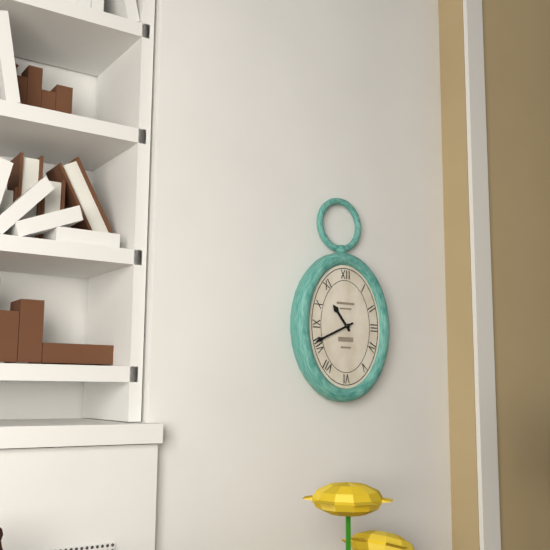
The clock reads 10:41
